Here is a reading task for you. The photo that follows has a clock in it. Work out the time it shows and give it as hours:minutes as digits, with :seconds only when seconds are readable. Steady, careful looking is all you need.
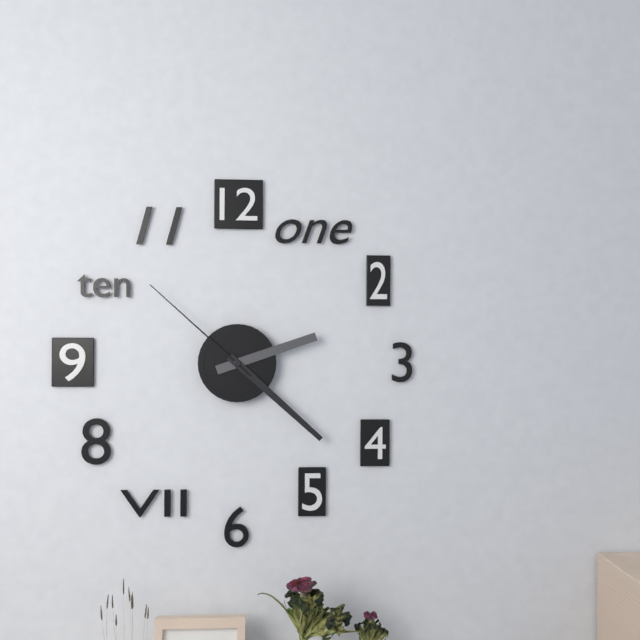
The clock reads 2:22:52
